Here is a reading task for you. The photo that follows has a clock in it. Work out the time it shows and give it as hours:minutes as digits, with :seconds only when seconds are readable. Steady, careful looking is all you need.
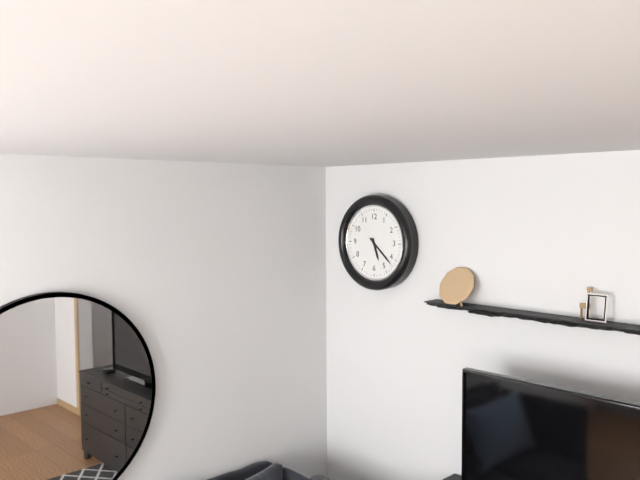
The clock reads 5:22
